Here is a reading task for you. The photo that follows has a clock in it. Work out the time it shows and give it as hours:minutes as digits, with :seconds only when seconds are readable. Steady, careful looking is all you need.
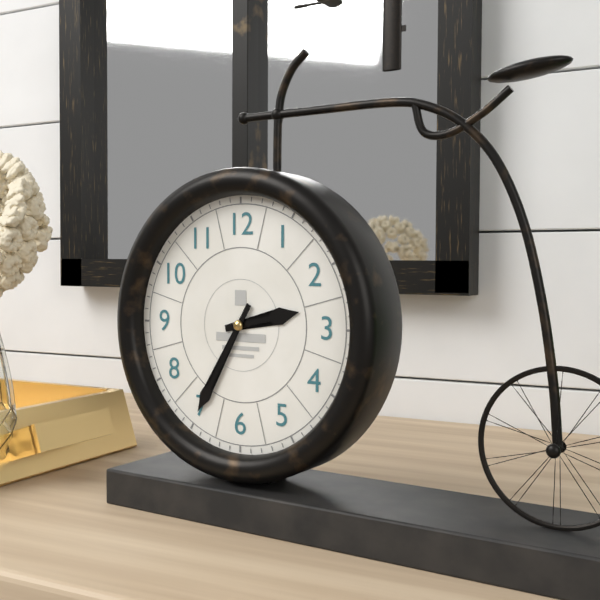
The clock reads 2:35
